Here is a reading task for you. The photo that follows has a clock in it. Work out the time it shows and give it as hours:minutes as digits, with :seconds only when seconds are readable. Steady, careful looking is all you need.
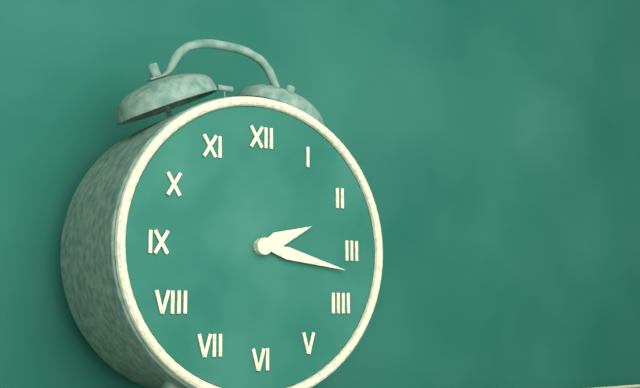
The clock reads 2:17
